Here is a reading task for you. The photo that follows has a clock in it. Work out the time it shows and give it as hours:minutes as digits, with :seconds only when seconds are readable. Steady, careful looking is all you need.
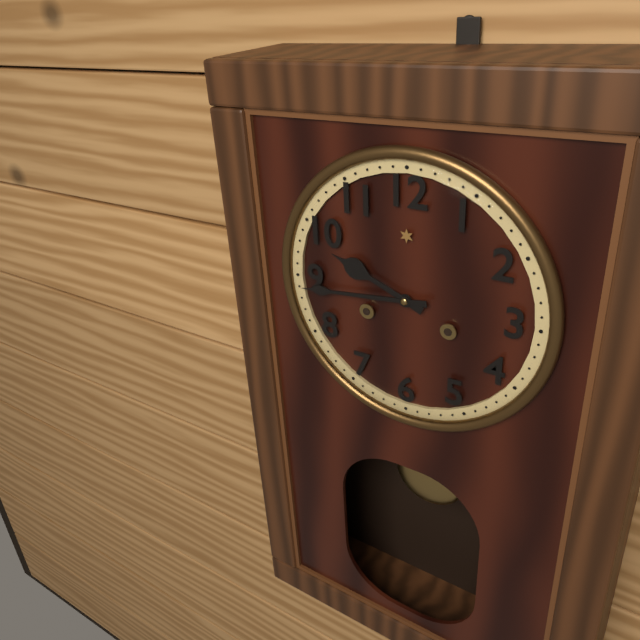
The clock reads 9:44
